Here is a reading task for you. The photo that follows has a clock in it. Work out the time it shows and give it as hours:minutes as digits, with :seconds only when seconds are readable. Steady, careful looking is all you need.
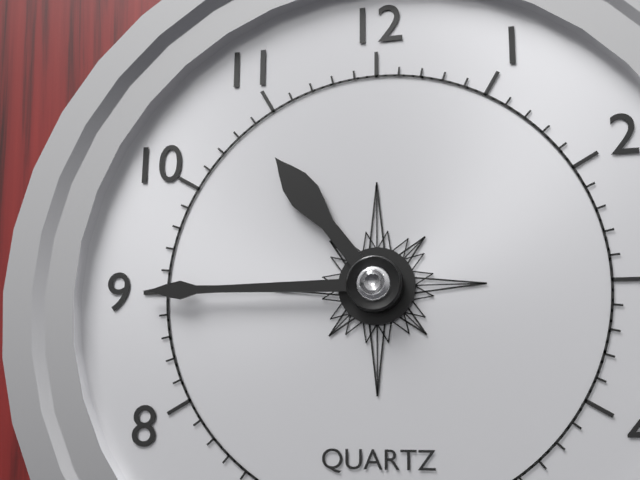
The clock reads 10:45
